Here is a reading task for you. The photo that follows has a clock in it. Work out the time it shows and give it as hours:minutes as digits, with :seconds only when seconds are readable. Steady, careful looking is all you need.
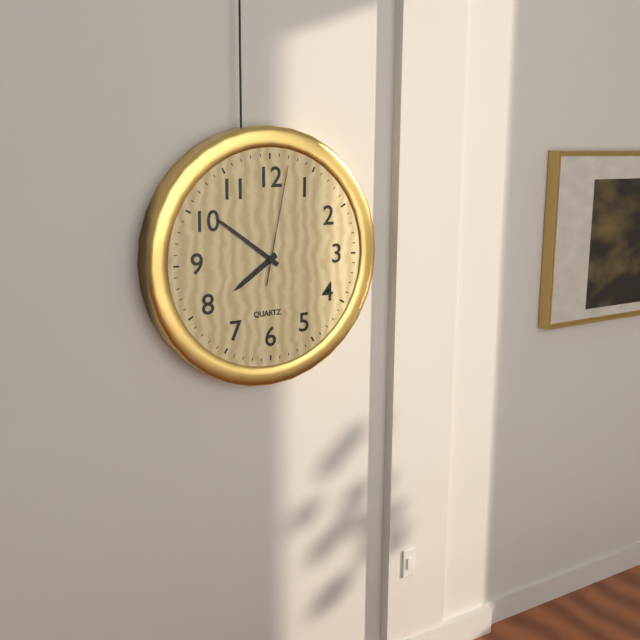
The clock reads 7:51:02
